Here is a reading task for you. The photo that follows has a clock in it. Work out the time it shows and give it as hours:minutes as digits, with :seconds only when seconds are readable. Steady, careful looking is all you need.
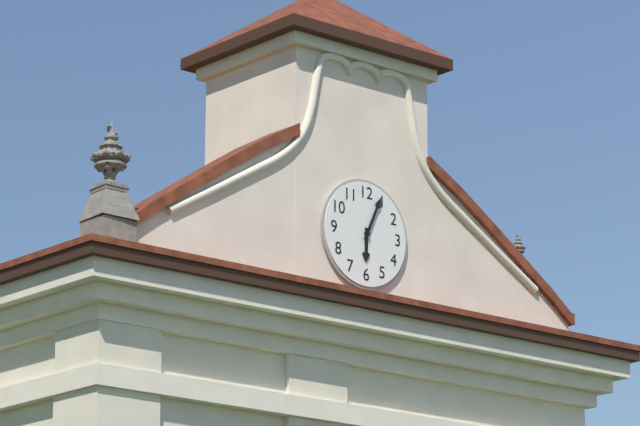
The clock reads 6:04
